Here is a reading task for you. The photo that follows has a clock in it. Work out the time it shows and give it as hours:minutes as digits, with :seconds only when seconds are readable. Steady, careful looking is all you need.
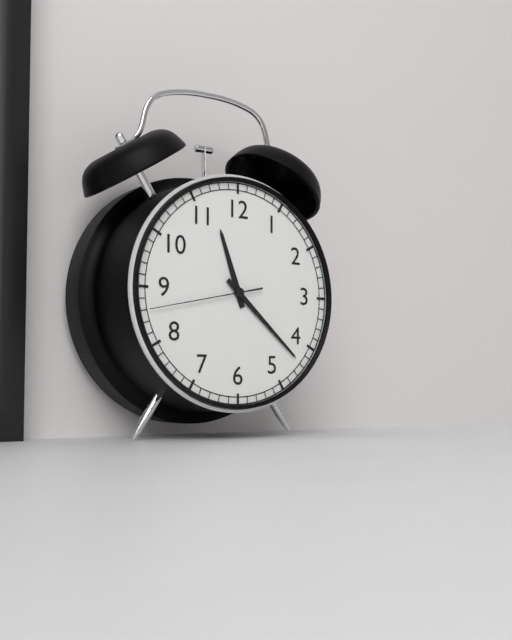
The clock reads 11:22:43
